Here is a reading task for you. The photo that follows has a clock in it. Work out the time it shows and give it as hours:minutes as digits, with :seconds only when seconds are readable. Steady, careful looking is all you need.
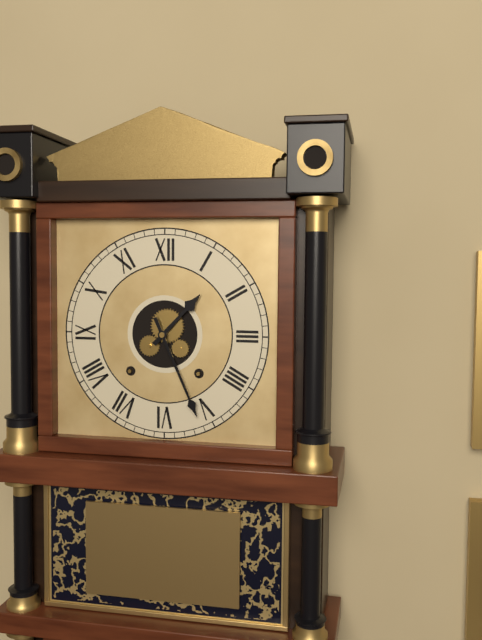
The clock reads 1:26
